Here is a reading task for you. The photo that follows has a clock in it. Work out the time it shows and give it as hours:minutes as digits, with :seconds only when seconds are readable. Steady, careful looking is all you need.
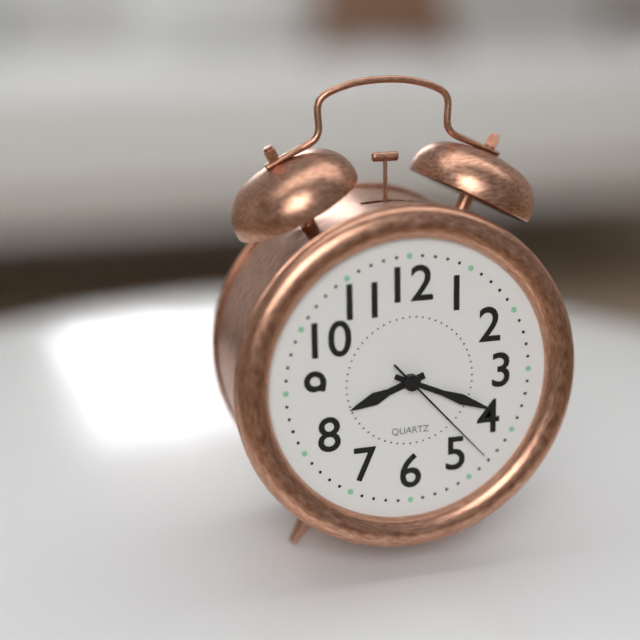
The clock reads 8:19:23
